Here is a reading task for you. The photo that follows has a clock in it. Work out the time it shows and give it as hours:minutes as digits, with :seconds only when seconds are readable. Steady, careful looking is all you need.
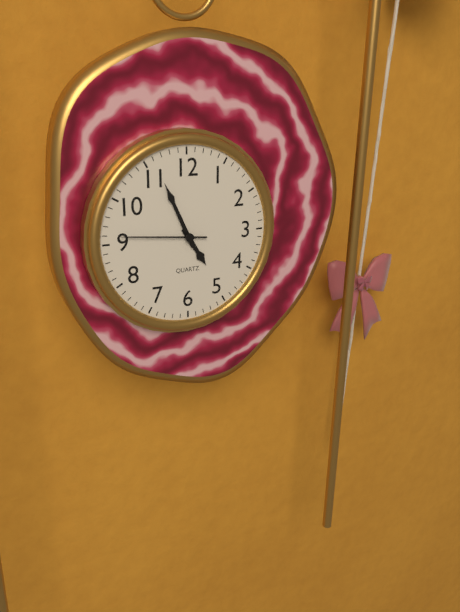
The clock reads 4:56:46
